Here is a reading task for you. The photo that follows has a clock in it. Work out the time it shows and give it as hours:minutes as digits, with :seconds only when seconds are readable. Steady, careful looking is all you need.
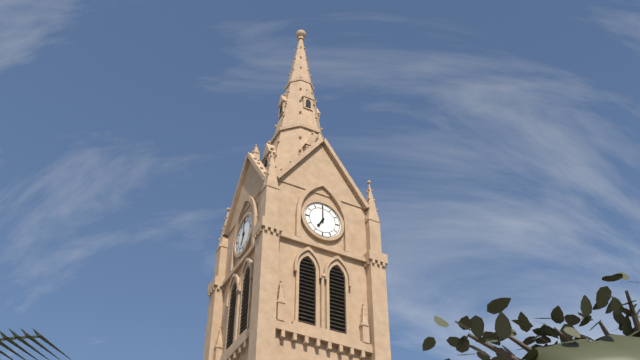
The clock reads 7:00
